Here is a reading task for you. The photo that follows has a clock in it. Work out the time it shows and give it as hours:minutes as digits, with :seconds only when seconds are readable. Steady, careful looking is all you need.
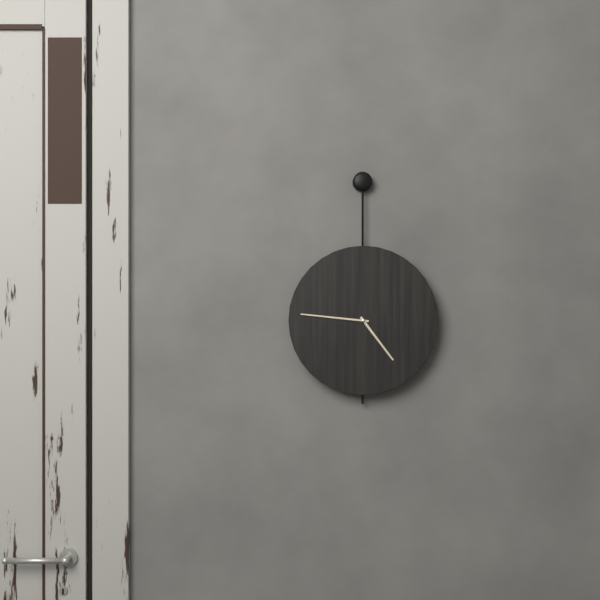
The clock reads 4:46
